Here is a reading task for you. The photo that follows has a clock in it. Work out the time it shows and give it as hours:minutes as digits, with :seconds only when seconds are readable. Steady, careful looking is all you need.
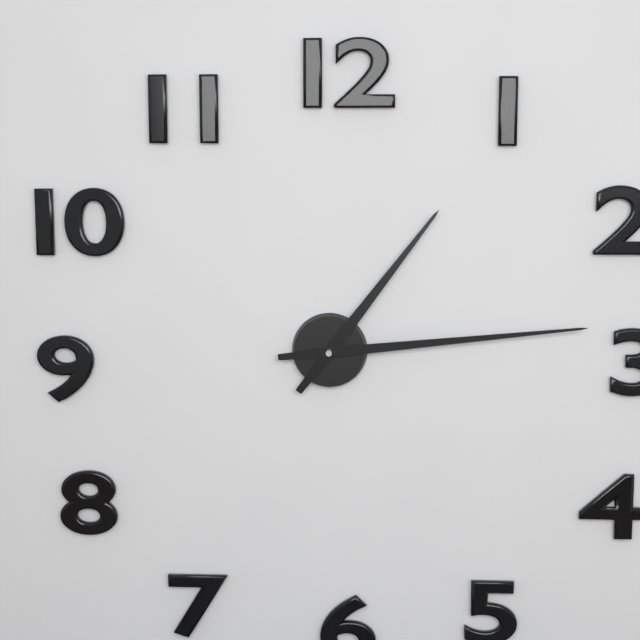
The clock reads 1:14
